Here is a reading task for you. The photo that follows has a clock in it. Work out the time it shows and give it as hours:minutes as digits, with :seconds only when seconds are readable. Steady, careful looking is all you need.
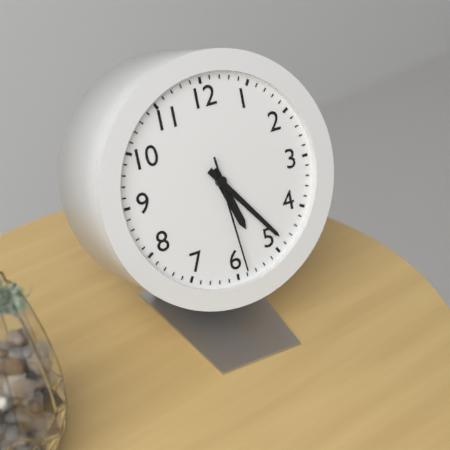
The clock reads 5:24:29
